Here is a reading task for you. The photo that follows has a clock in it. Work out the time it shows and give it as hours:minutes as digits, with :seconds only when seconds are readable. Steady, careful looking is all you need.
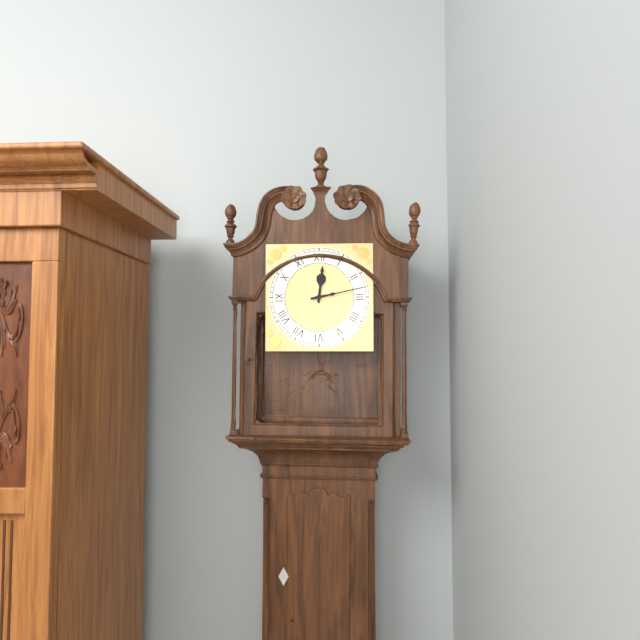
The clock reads 12:13
